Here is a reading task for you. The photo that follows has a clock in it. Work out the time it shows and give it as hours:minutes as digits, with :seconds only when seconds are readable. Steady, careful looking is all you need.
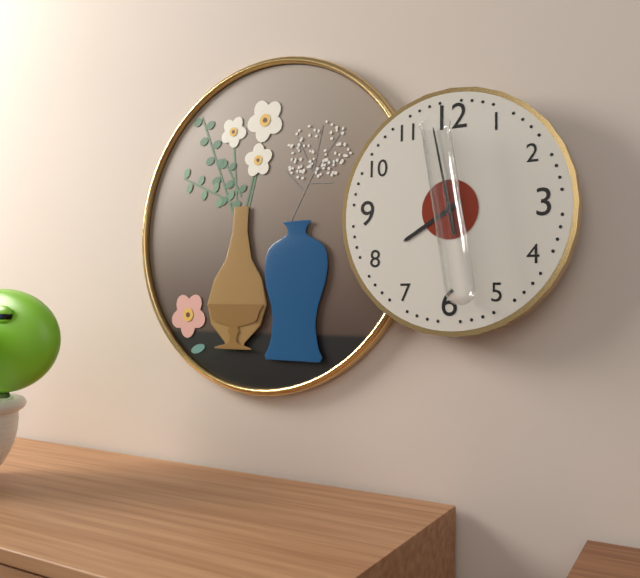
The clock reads 7:58
